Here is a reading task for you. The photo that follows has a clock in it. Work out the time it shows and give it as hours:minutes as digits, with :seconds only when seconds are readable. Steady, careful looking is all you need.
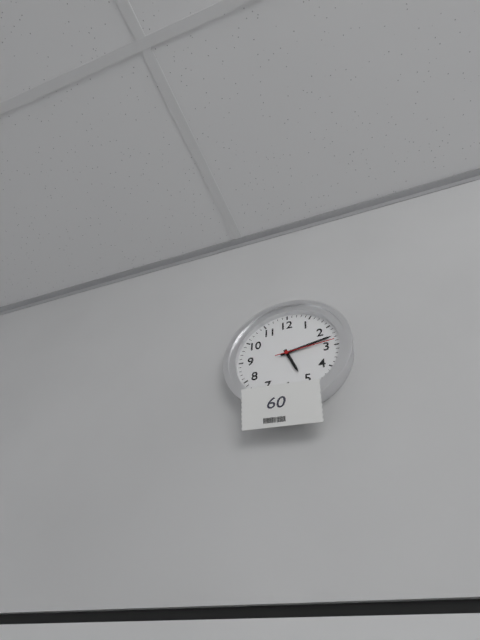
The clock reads 5:13:14
